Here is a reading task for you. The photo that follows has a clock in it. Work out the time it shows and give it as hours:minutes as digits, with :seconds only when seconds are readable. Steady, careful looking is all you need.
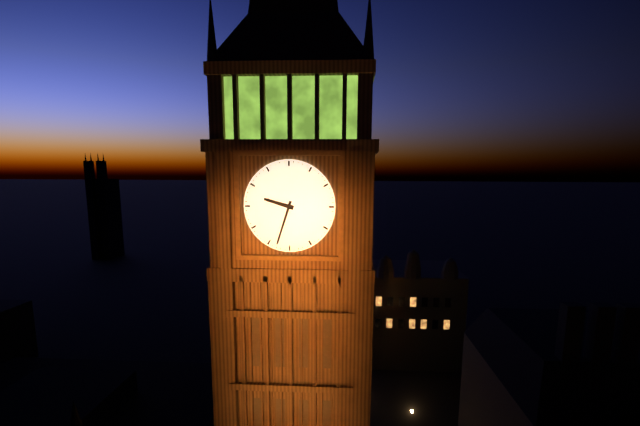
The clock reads 9:33
